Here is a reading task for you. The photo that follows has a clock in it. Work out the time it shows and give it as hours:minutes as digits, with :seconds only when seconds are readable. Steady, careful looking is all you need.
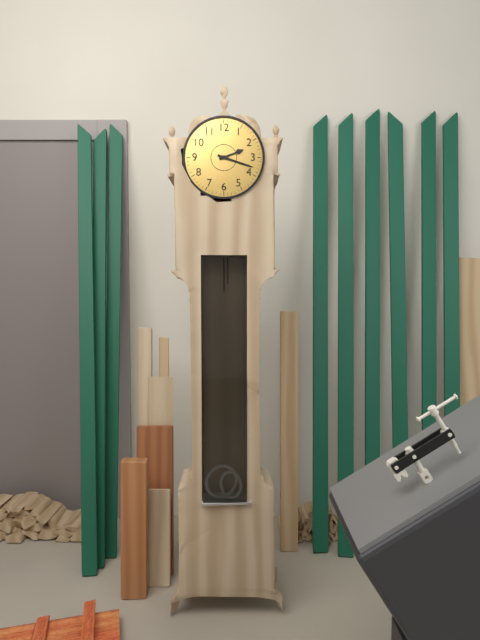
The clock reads 2:18
